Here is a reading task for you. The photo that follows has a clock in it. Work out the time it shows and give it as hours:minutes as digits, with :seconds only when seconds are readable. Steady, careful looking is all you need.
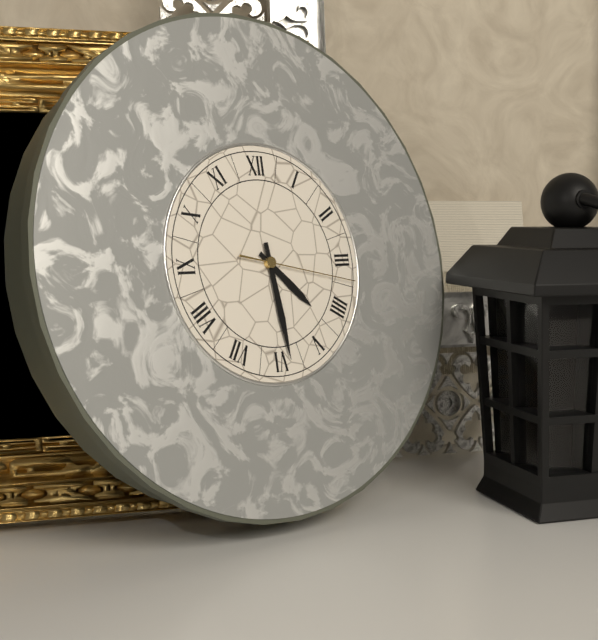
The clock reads 4:29:17
